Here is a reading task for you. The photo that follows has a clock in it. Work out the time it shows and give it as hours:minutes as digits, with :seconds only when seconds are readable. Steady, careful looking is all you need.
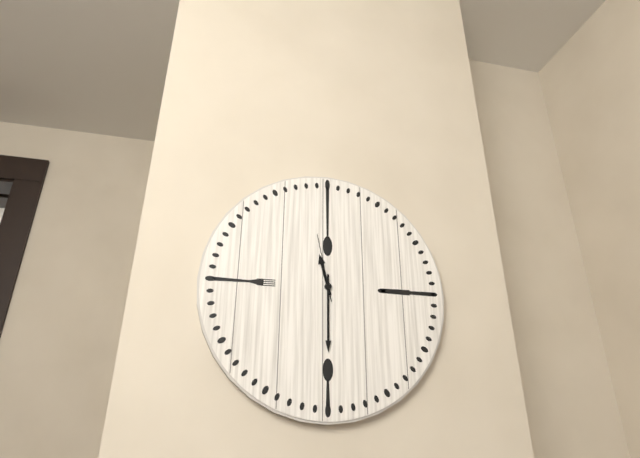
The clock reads 11:30:58
